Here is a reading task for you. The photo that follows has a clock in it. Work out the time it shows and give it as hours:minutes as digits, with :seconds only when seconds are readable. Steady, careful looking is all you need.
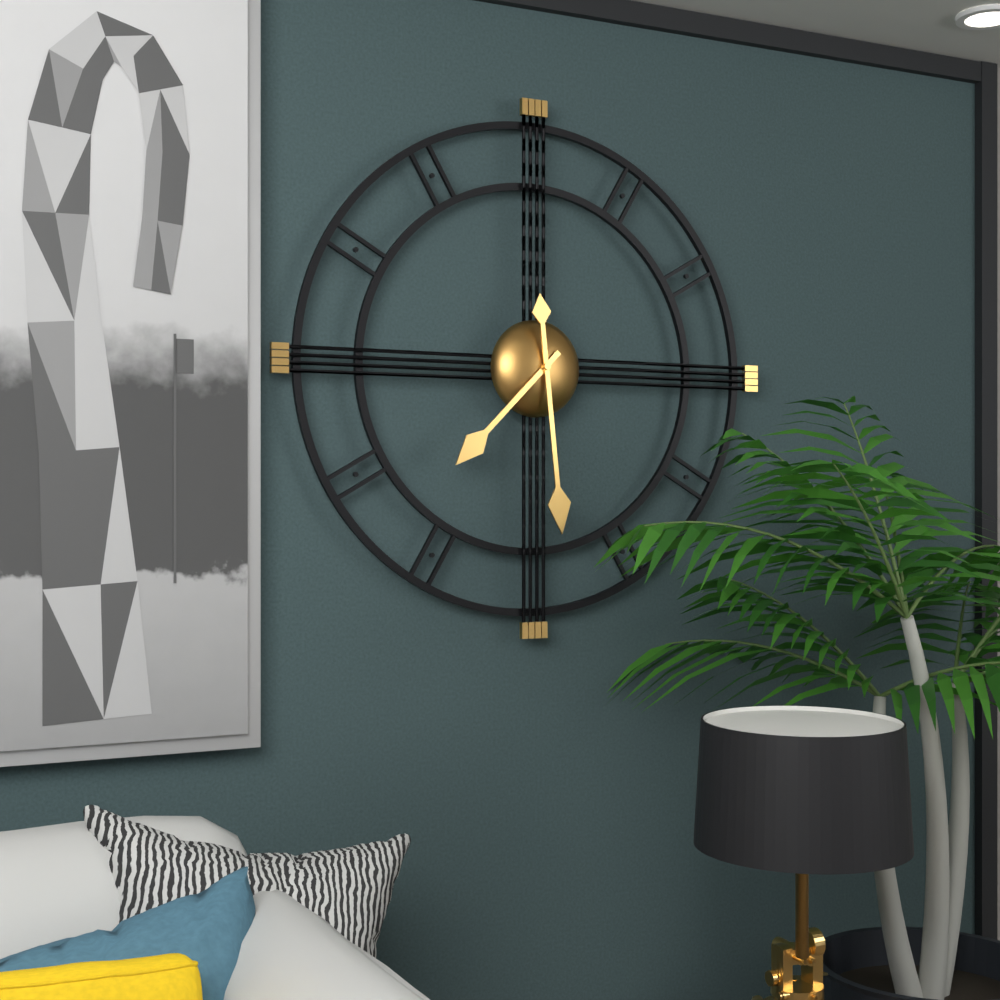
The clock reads 7:29
